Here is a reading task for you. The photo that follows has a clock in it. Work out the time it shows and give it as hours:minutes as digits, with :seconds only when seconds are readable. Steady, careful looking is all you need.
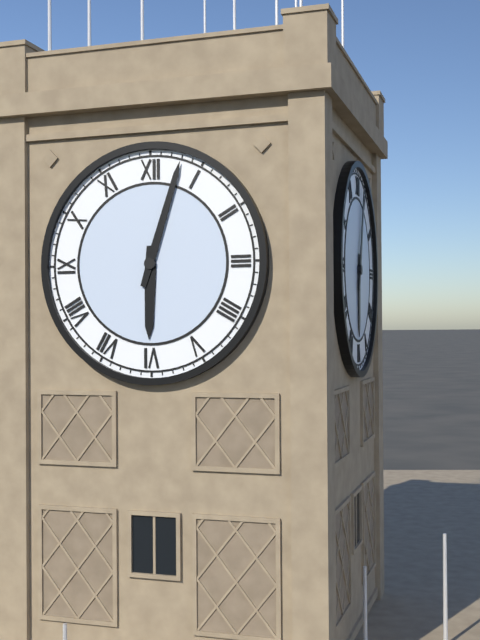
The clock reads 6:03
